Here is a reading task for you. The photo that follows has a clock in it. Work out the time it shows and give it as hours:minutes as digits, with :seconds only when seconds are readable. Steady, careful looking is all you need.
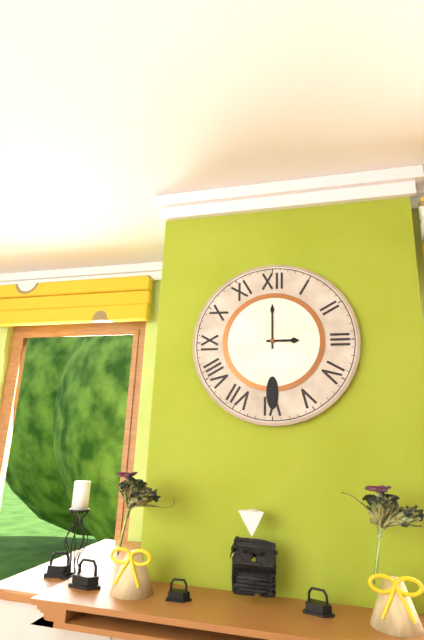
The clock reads 3:00
